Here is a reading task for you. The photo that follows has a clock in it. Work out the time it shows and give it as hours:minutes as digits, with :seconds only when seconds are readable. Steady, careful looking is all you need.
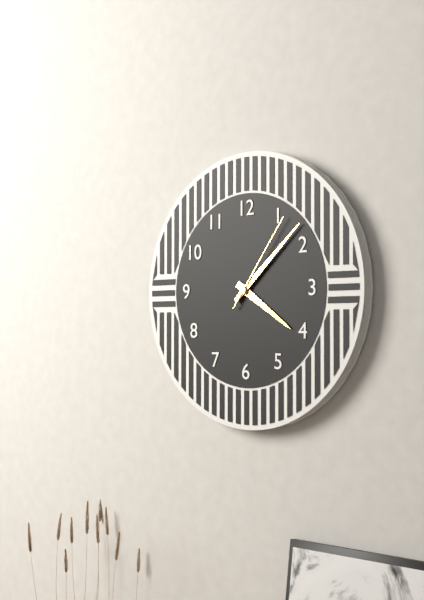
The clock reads 4:08:06
